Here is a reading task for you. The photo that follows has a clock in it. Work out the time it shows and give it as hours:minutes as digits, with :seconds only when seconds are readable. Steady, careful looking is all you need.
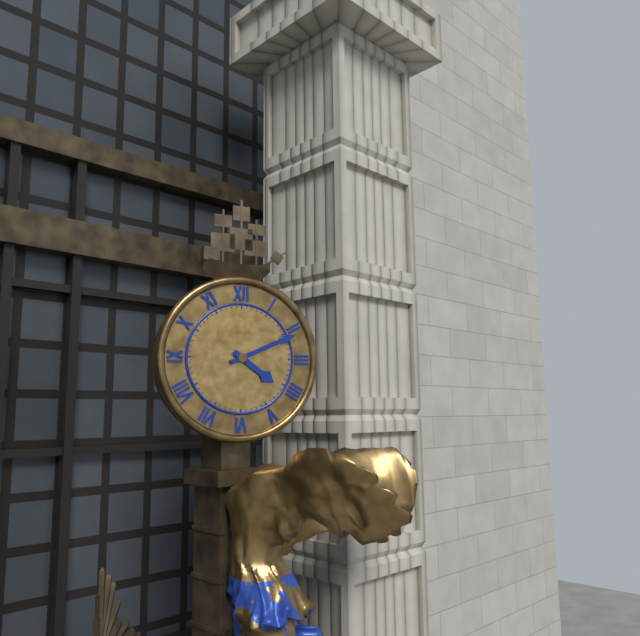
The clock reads 4:11
